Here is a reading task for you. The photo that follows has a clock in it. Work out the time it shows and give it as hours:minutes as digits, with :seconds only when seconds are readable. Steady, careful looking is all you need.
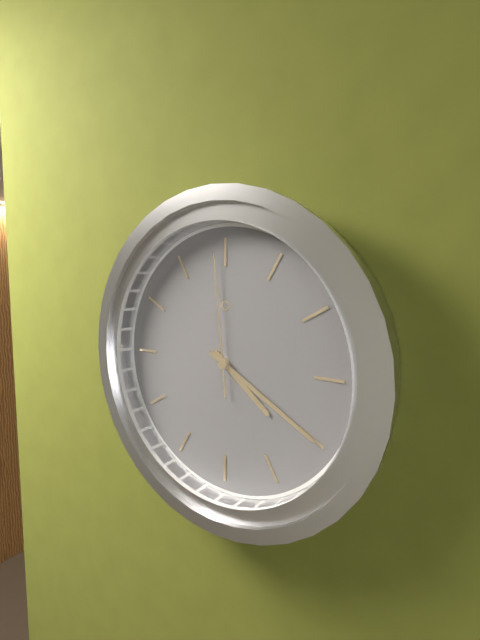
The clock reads 4:20:59
